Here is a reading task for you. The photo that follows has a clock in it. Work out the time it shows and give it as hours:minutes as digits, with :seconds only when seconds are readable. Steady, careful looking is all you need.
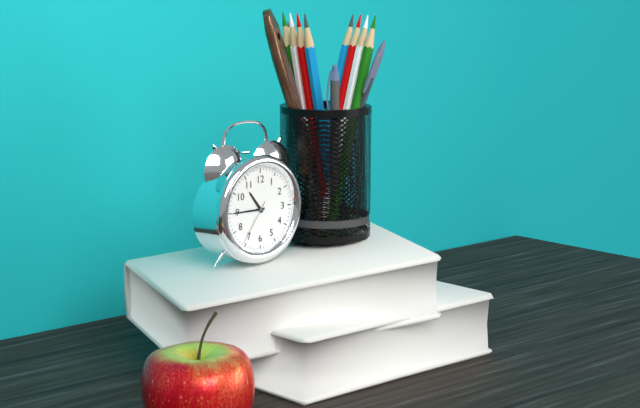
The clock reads 10:45
